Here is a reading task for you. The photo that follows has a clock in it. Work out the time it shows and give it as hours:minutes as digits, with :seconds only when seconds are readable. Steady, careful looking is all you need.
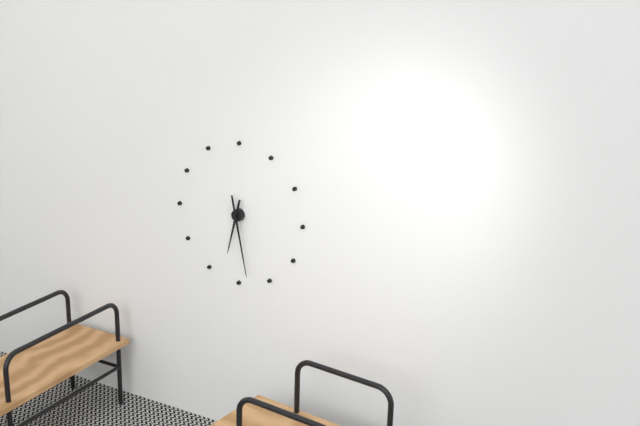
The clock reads 6:28
